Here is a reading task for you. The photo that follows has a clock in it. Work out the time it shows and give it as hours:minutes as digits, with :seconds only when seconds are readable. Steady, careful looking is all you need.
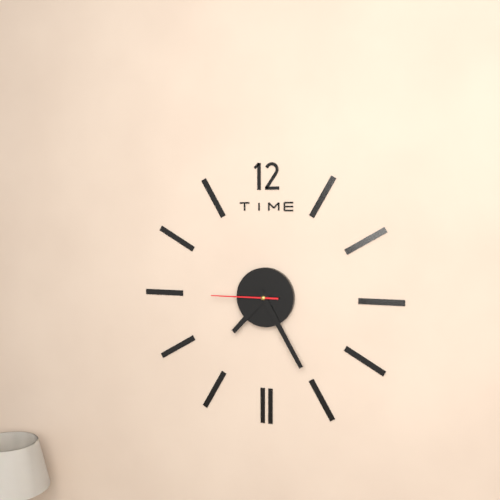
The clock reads 7:25:45
